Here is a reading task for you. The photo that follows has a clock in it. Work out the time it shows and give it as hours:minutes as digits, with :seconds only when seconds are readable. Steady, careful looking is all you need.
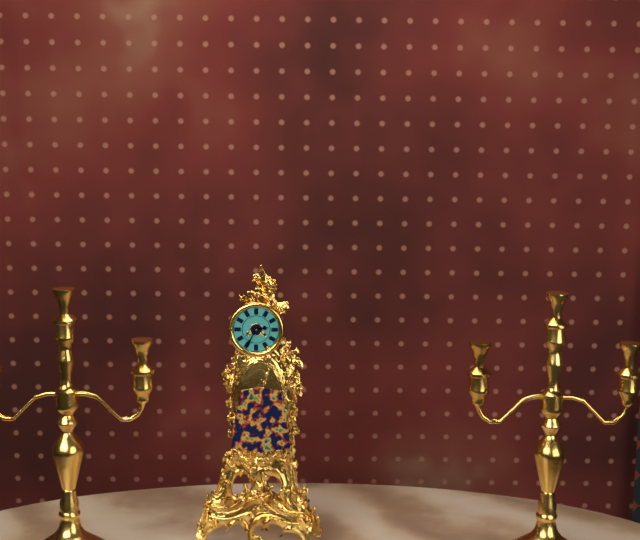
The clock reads 2:35
